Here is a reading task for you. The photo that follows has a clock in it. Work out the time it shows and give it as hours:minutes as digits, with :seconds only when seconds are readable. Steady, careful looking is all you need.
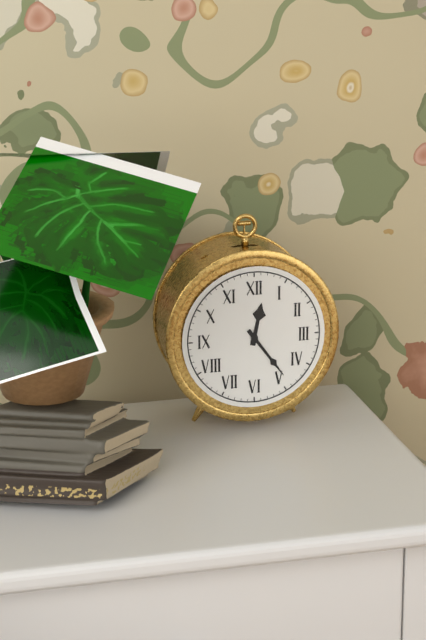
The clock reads 12:24
